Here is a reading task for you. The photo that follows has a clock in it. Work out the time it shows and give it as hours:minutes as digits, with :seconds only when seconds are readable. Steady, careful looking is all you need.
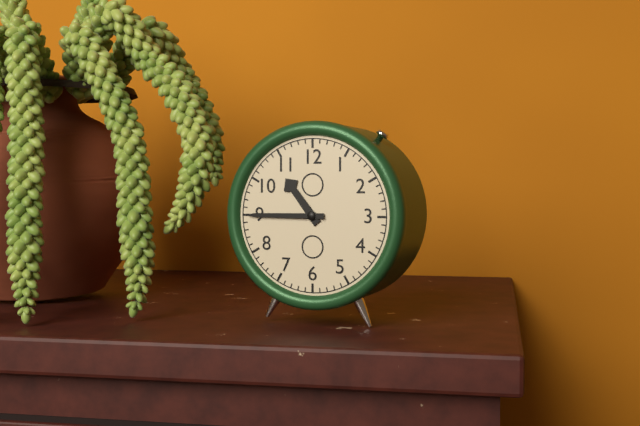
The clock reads 10:45
